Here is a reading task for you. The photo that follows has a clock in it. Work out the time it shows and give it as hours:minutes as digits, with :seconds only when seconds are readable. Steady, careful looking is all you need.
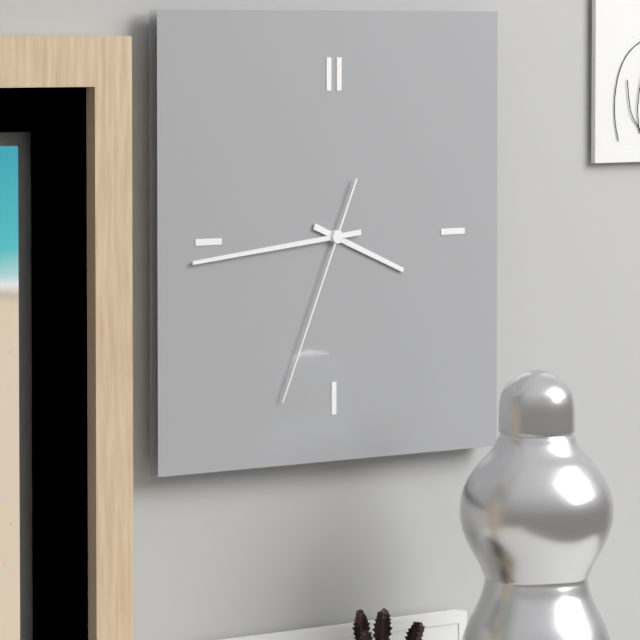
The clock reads 3:44:34
